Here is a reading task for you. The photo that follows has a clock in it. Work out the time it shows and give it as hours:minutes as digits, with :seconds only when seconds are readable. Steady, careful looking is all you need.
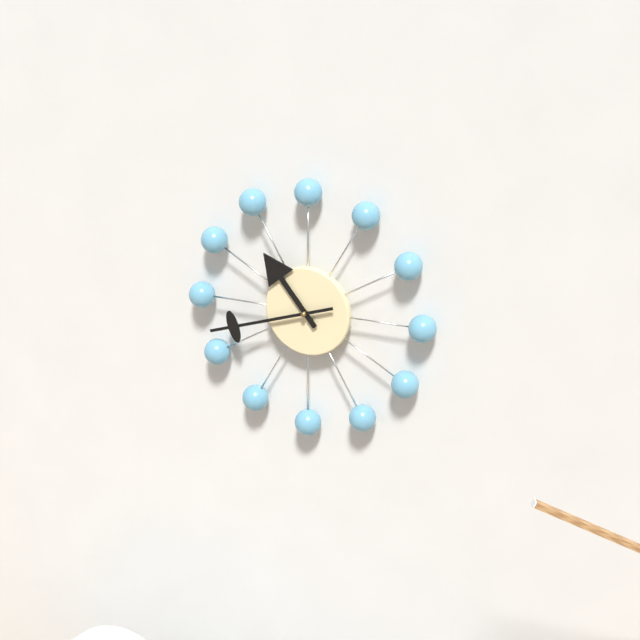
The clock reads 10:42
